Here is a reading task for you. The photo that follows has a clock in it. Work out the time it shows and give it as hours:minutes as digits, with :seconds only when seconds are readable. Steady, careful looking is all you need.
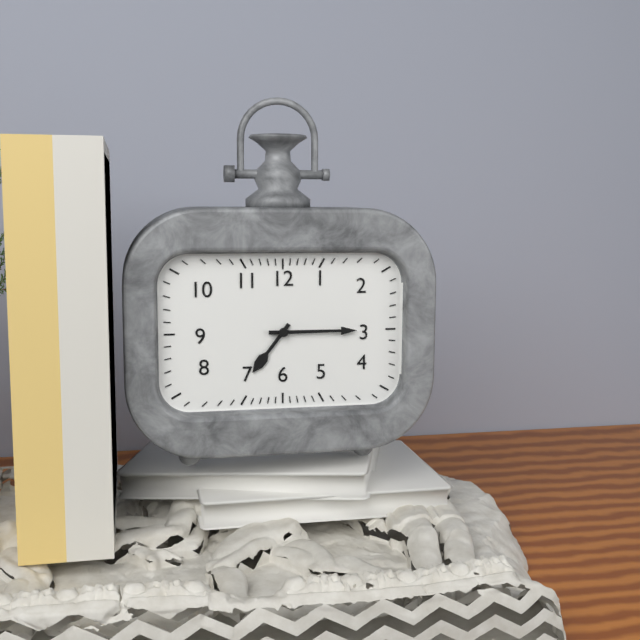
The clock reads 7:15
